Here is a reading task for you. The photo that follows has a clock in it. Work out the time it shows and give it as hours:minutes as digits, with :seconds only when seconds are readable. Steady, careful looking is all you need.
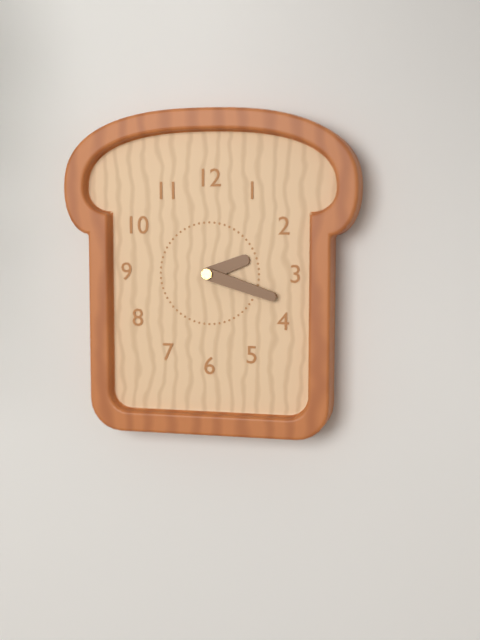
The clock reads 2:18
